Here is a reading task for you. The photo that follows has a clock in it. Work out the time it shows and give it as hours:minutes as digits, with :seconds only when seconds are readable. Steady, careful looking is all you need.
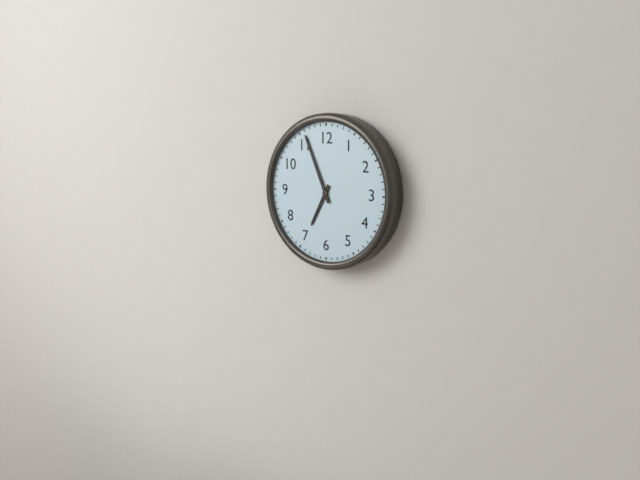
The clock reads 6:56
